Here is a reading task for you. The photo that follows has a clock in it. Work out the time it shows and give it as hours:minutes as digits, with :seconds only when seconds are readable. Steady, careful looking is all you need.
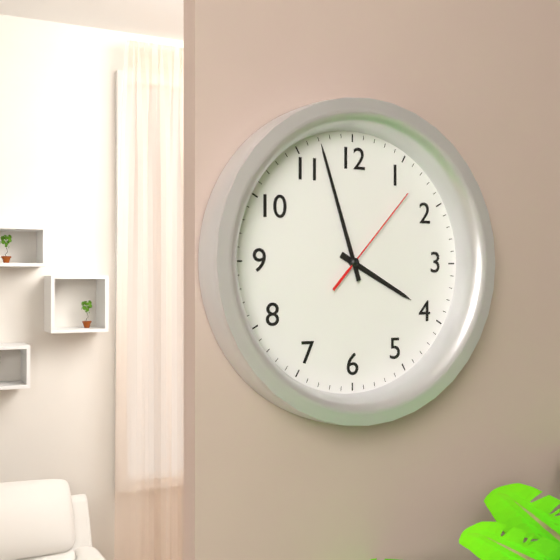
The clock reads 3:57:07
